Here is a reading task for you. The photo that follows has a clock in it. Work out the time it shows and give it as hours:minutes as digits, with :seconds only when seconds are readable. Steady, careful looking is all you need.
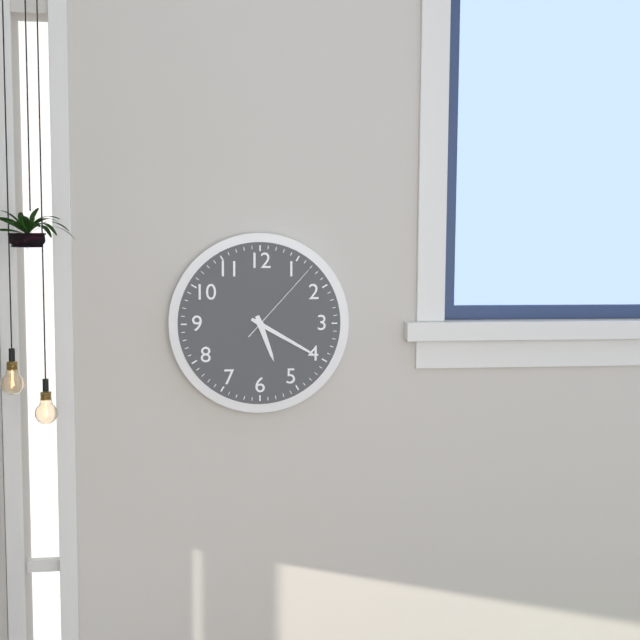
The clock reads 5:20:07
